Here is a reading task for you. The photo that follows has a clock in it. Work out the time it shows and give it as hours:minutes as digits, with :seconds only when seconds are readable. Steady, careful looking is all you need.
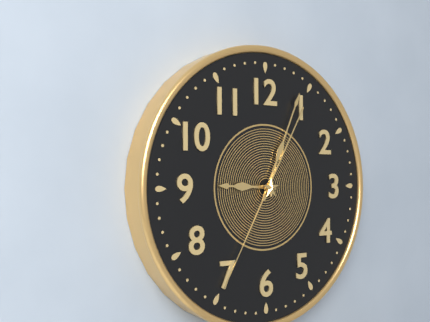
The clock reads 9:04:35
